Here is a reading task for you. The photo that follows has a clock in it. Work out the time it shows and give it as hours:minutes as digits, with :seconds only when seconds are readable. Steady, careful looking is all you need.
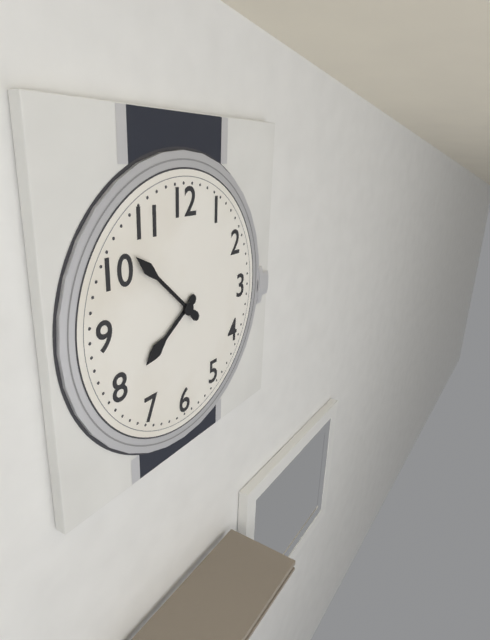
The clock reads 7:52
